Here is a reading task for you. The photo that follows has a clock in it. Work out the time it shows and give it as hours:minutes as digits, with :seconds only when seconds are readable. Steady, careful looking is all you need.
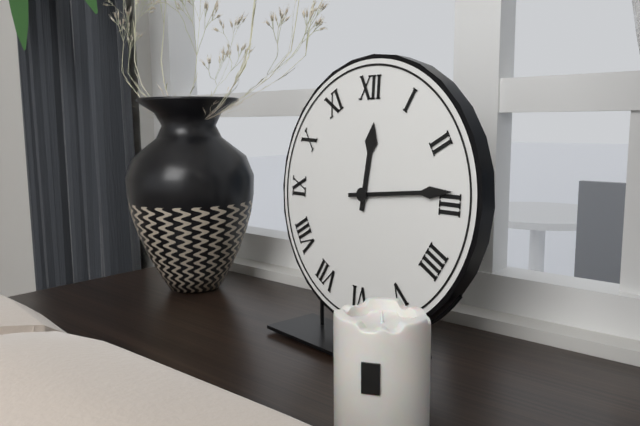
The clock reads 12:14
